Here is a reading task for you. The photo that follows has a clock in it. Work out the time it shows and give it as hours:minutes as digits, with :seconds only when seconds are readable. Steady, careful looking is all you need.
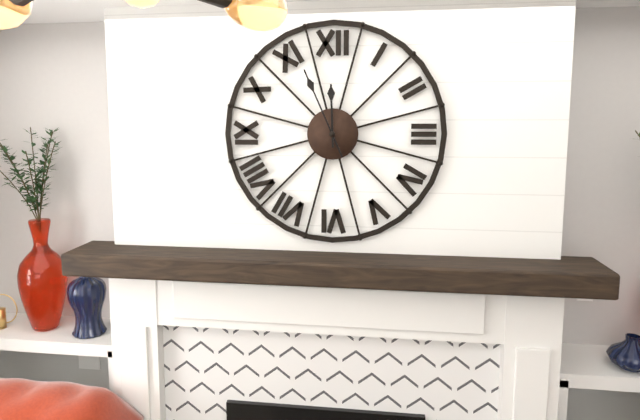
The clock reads 11:56
